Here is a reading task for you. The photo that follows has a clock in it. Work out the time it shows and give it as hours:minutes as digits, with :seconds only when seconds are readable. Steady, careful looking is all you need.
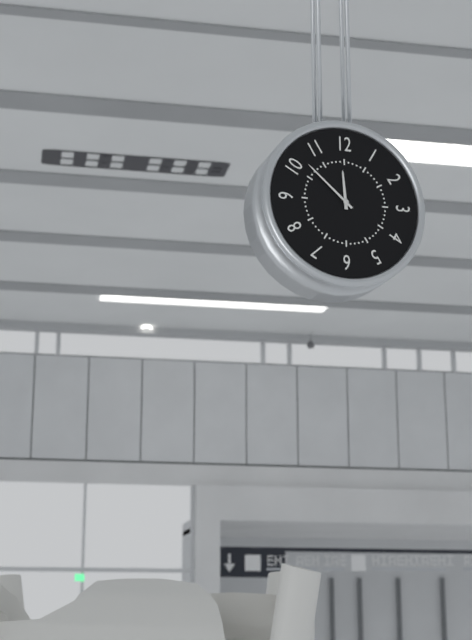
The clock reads 11:52
